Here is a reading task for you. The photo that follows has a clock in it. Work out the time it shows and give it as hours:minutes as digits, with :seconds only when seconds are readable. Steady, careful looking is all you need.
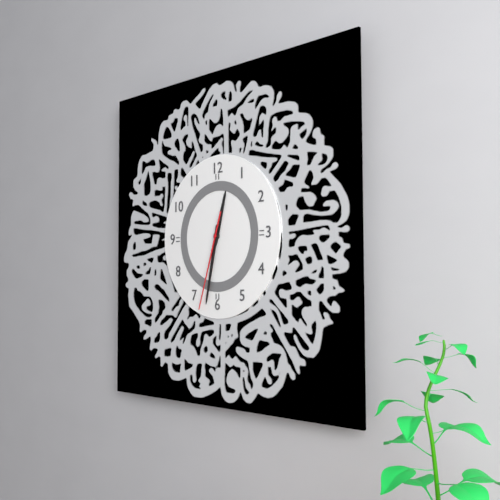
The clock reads 12:32:33
